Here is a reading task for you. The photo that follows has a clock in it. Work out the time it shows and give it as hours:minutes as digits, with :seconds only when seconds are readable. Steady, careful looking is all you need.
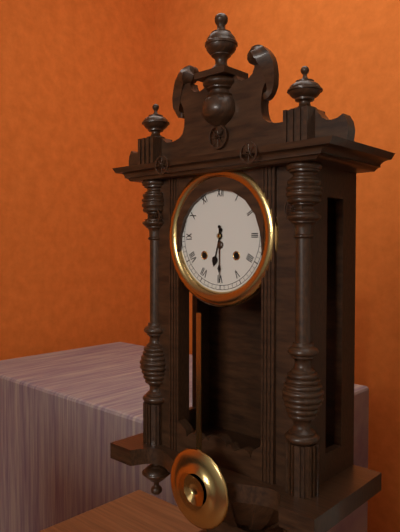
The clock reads 6:30
